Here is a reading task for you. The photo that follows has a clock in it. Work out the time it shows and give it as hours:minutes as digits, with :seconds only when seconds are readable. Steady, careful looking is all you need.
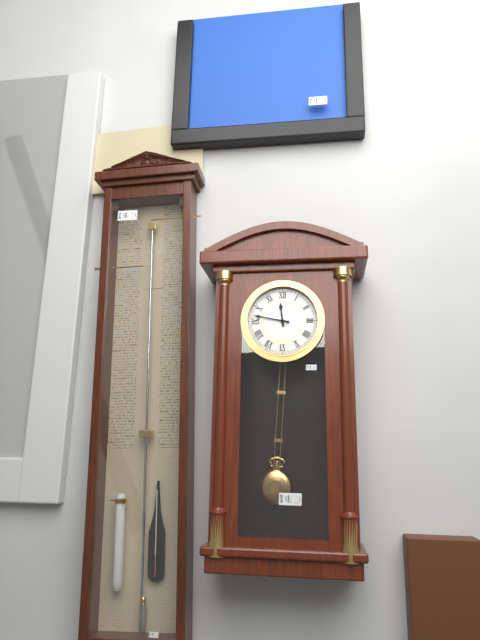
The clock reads 11:47
